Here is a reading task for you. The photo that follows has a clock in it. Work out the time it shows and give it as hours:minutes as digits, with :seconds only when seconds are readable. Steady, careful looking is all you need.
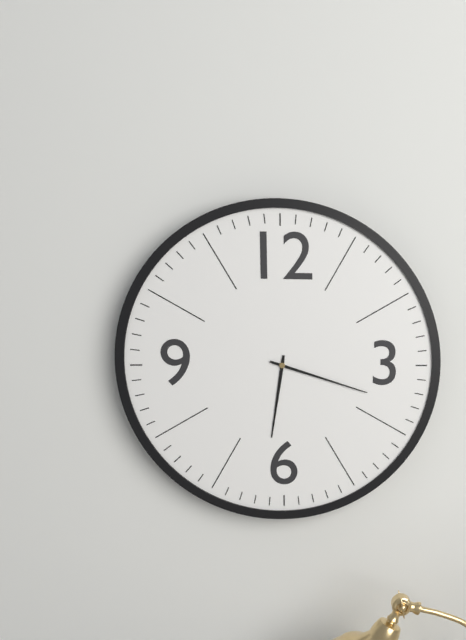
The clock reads 6:18
